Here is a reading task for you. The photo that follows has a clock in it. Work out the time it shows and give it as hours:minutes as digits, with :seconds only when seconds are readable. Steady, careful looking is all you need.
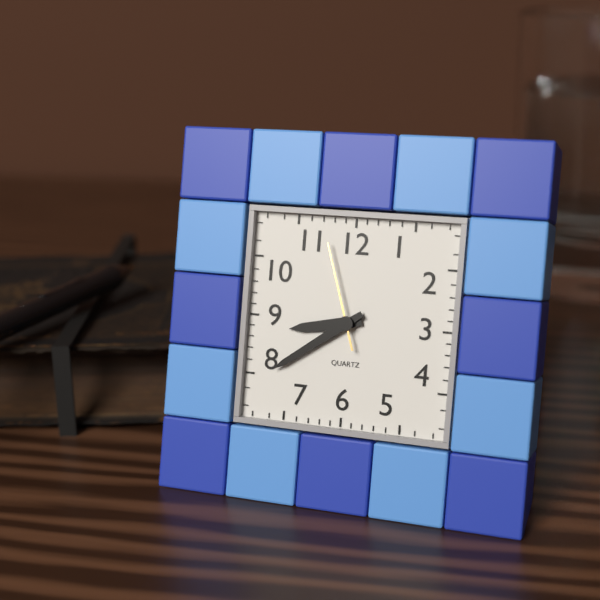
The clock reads 8:39:57
